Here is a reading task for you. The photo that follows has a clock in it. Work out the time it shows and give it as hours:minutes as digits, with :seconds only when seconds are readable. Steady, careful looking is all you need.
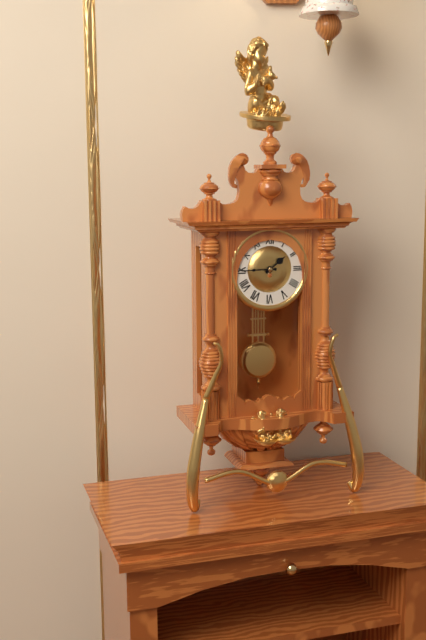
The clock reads 1:45
